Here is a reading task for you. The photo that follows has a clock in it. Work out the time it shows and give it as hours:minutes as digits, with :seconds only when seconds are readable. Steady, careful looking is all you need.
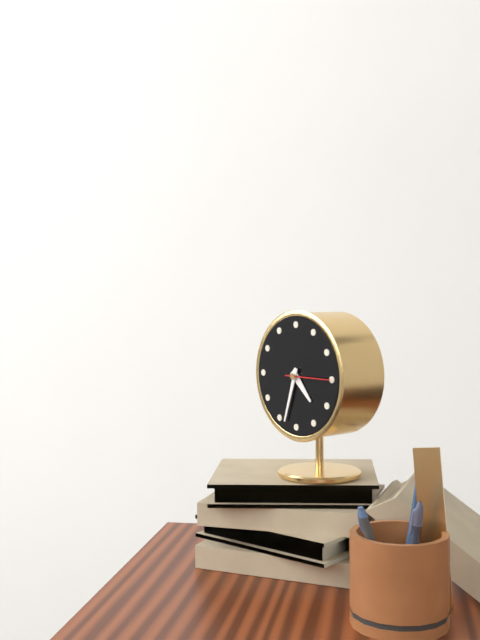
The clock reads 4:33
